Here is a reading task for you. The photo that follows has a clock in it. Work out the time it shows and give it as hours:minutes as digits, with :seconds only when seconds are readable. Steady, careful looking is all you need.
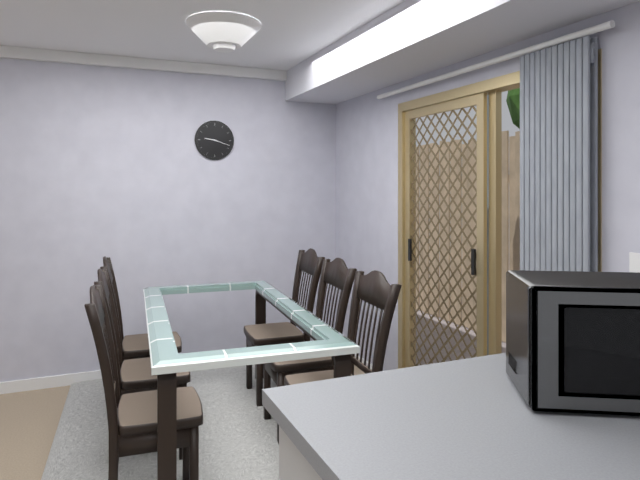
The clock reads 9:18
